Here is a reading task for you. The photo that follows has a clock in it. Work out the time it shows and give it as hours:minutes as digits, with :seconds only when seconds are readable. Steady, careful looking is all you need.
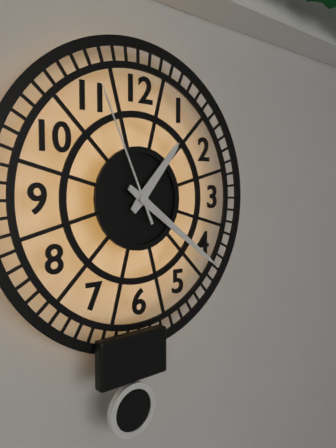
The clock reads 1:21:56
